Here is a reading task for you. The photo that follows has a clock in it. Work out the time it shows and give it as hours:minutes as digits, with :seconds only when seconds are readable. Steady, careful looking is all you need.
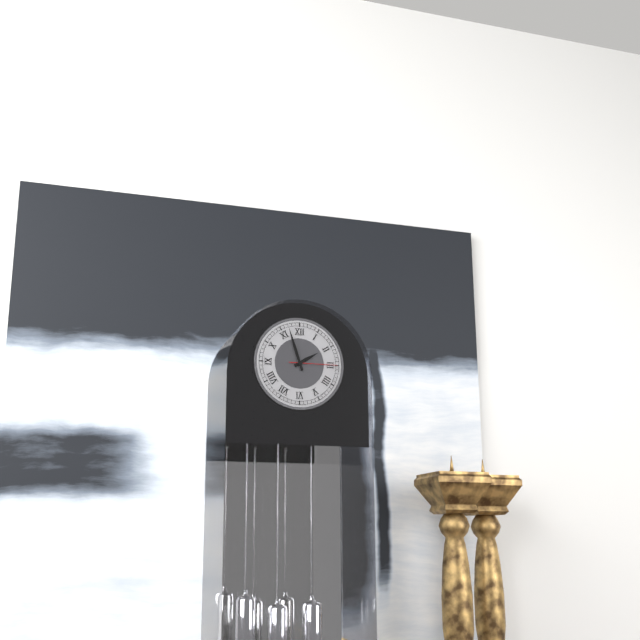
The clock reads 1:57
